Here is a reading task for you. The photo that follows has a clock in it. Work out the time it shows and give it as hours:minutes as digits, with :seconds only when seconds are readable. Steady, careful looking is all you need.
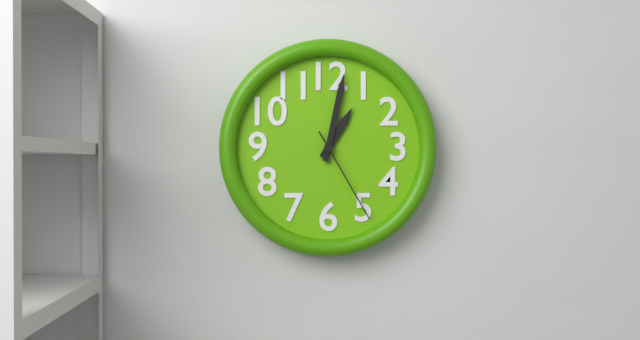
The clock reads 1:02:25
